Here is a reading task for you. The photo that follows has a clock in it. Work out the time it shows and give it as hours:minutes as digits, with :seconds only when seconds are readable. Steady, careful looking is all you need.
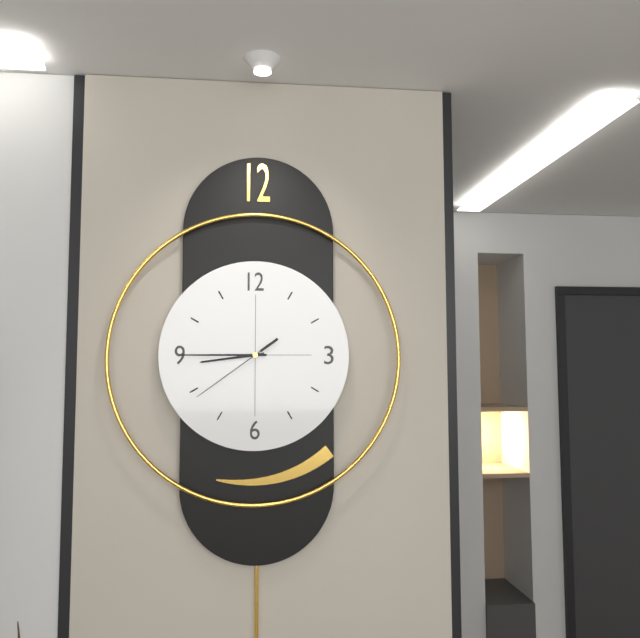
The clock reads 8:45:39
